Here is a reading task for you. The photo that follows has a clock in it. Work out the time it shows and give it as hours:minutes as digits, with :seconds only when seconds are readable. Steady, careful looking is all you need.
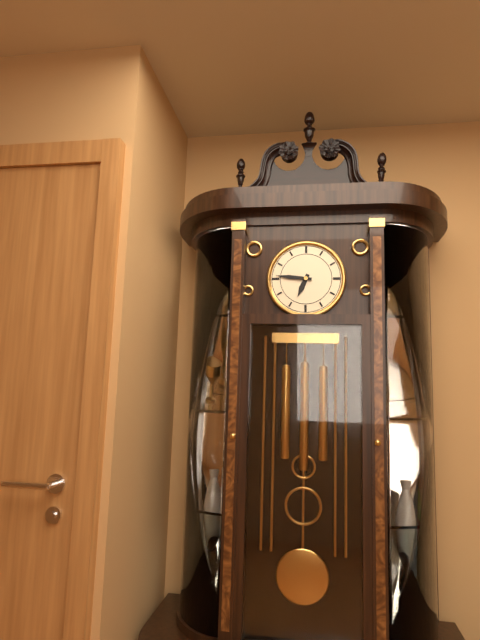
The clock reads 6:46
